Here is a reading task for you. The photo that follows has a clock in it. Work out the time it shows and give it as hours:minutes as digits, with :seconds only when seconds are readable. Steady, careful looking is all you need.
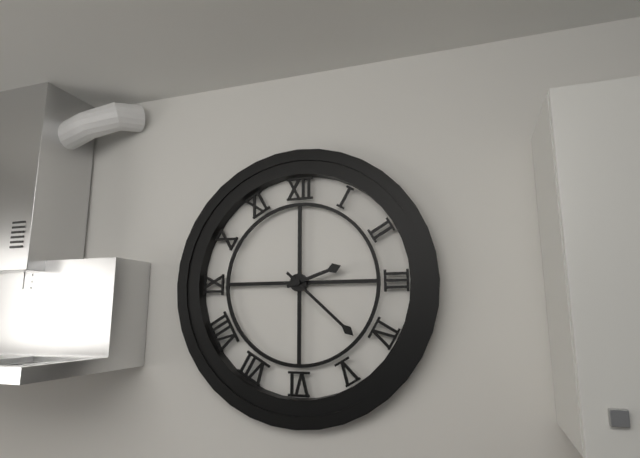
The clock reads 2:22
